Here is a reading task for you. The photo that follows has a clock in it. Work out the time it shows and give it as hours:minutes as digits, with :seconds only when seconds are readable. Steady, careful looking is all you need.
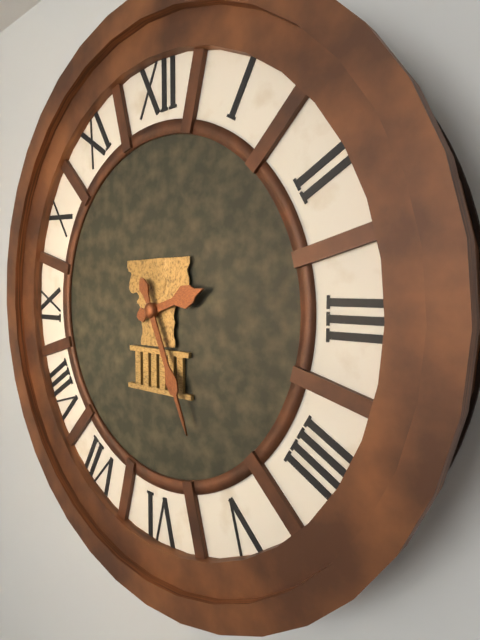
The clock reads 2:26
